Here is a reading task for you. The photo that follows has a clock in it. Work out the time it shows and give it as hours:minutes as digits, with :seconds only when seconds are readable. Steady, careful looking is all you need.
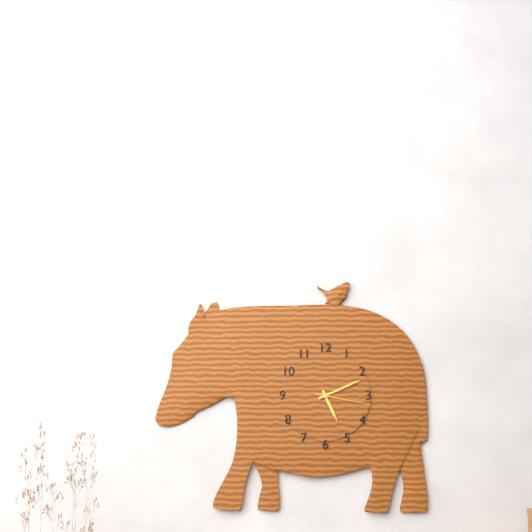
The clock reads 5:11:17
